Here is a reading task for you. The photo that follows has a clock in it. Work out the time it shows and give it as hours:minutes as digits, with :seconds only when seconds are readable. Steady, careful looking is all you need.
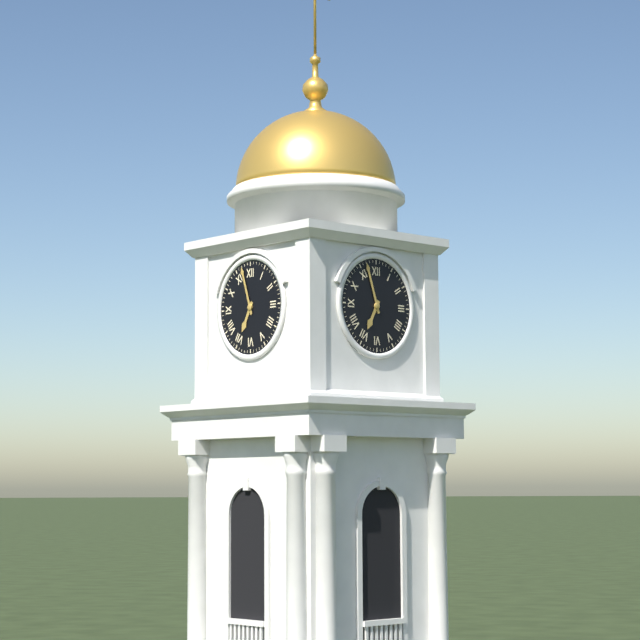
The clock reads 6:57
